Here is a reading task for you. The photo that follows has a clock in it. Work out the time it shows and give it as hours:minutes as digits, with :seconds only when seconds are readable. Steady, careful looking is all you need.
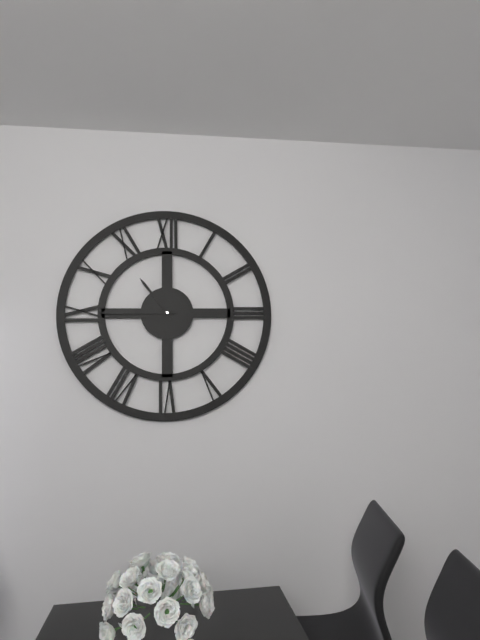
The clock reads 10:45
